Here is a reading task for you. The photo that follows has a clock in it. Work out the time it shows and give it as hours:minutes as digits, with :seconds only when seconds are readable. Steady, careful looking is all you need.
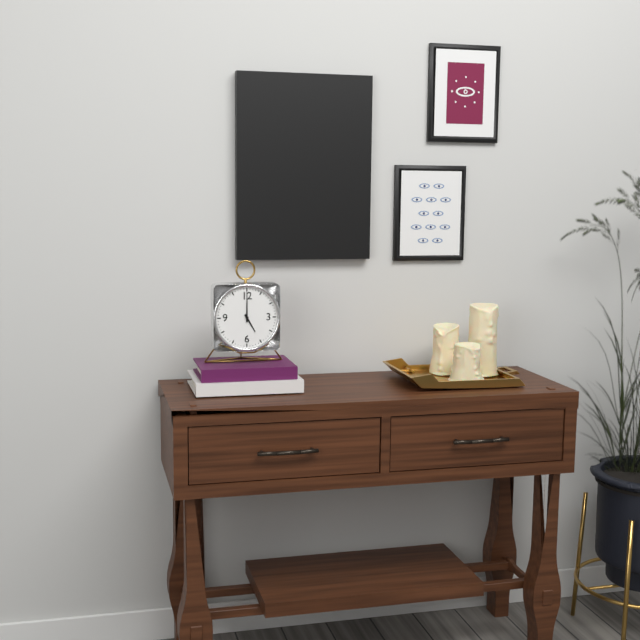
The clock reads 5:00
